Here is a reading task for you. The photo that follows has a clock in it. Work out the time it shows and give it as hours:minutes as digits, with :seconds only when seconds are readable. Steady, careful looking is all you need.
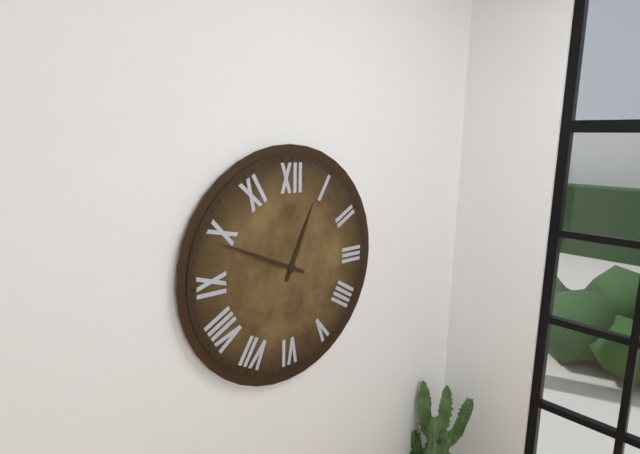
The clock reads 12:49
